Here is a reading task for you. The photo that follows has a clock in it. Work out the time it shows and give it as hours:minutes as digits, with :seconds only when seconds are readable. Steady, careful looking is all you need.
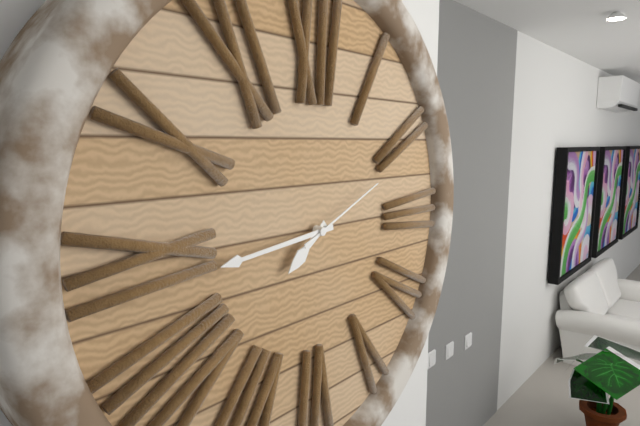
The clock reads 7:44:11
